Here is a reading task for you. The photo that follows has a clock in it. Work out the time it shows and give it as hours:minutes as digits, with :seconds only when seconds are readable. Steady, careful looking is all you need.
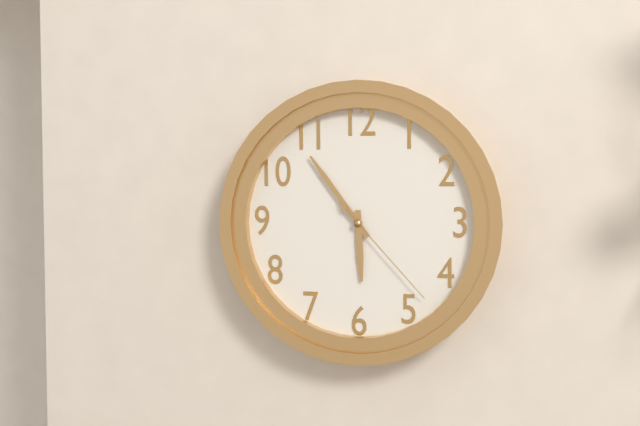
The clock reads 5:54:23
